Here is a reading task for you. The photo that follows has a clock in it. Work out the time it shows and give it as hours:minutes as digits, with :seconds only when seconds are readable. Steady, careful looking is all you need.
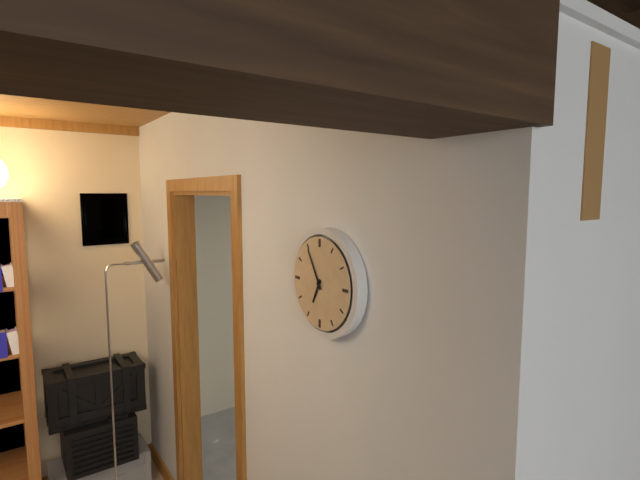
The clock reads 6:55
